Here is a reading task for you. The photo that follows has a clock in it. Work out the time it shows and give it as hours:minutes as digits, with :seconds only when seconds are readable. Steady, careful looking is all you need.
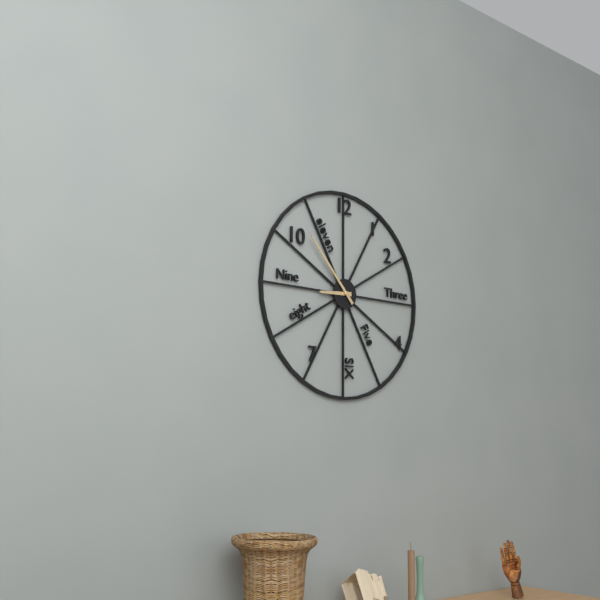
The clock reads 8:53
